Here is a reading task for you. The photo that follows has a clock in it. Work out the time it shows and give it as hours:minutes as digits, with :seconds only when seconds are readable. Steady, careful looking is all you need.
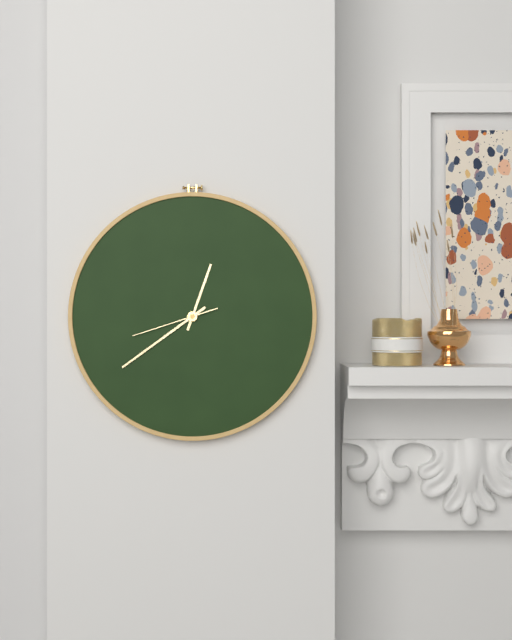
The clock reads 12:39:42
